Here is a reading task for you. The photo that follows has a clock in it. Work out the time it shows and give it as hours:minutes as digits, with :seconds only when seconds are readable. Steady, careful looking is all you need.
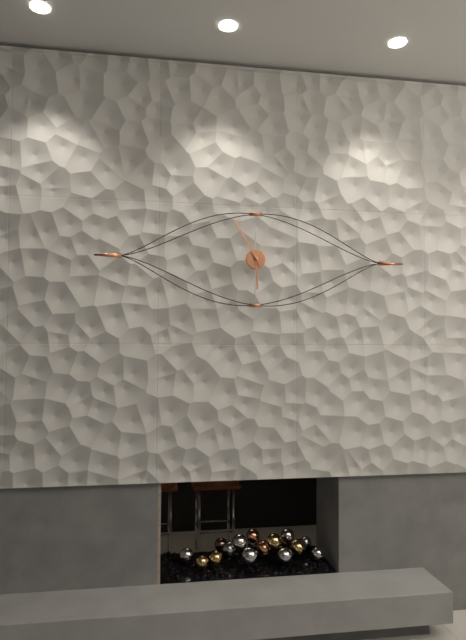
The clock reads 5:55
